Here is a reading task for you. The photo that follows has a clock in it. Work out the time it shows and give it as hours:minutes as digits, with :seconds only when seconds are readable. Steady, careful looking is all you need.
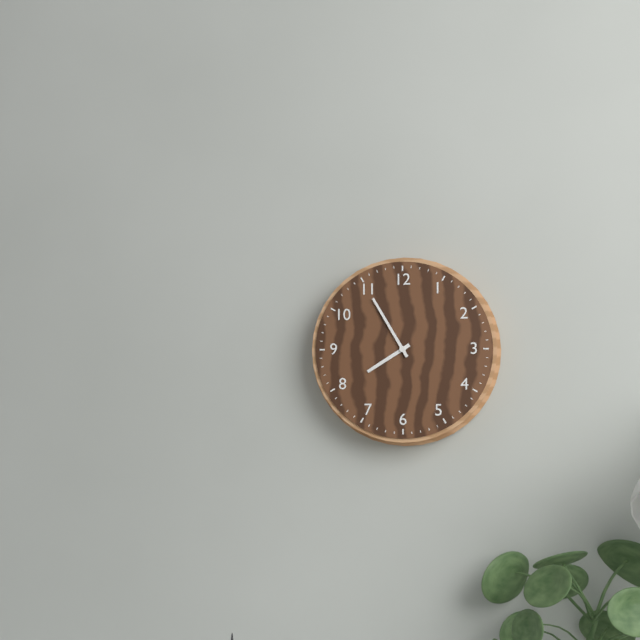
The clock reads 7:55
